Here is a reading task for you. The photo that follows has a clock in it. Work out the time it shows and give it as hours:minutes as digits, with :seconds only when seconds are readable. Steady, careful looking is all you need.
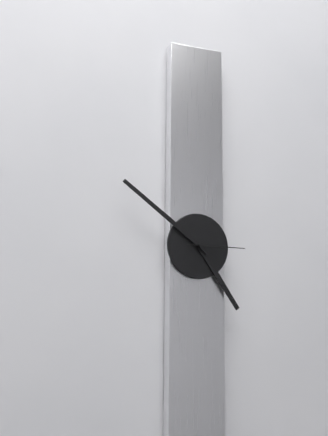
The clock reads 4:51:15
